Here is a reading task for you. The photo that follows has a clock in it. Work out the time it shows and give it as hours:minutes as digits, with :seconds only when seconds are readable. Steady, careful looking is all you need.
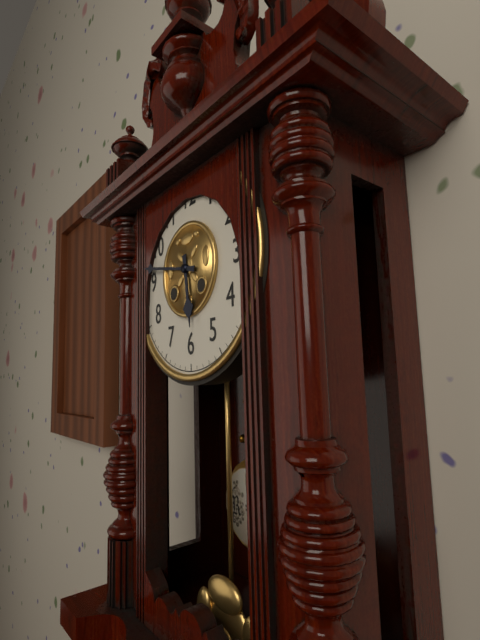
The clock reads 5:47
